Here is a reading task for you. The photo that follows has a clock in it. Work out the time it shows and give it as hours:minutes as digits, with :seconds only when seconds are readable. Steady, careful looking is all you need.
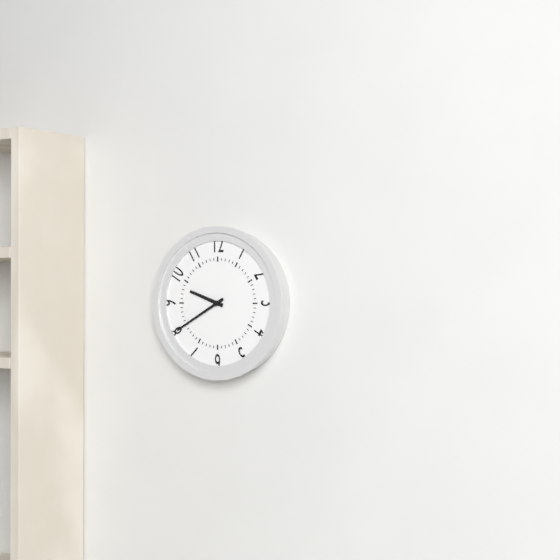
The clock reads 9:40
